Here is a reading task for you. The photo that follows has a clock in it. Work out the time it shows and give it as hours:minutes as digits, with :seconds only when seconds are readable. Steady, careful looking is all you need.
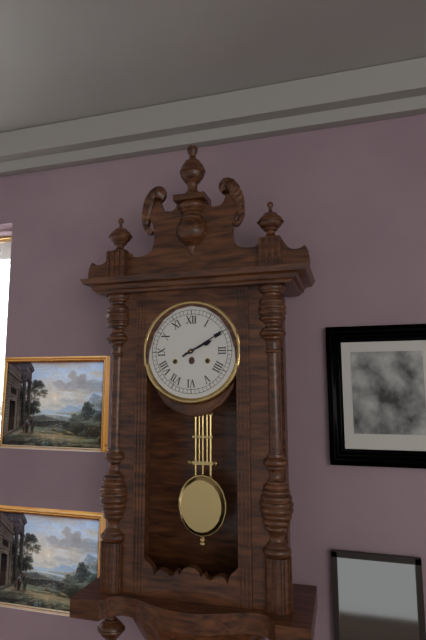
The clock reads 2:10
